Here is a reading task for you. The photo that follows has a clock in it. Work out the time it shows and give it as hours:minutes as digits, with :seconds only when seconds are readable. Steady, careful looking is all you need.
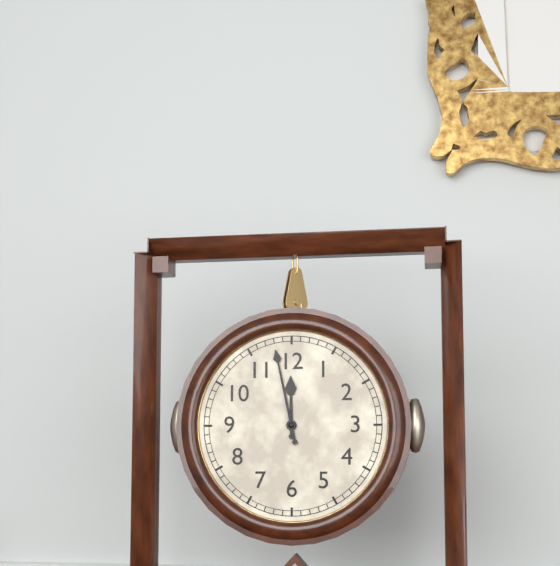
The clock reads 11:58
